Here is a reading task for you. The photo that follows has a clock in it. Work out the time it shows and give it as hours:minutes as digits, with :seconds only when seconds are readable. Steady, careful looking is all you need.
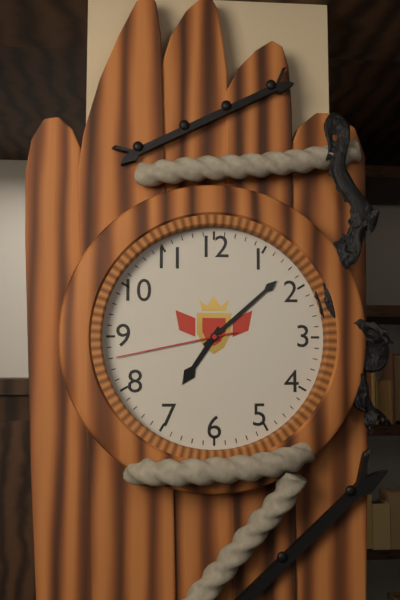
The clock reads 7:08:43
